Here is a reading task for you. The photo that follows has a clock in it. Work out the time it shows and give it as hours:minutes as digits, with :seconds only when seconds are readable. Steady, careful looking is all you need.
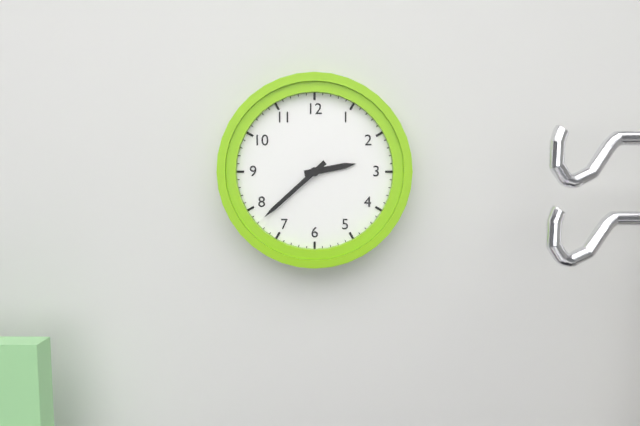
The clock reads 2:38
